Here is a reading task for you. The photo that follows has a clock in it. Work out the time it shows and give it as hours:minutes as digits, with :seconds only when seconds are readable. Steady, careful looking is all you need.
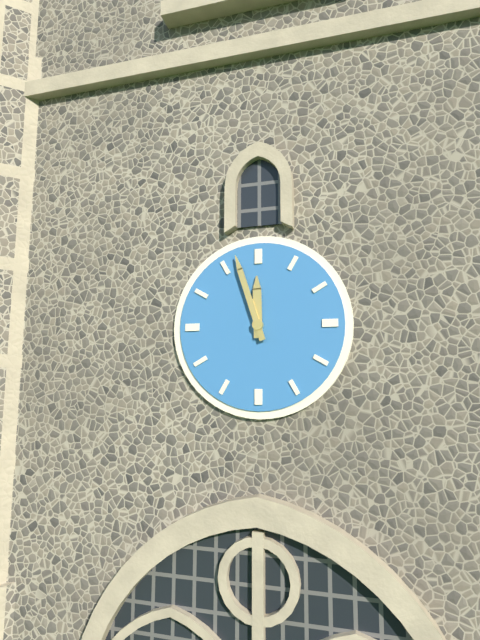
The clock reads 11:57
